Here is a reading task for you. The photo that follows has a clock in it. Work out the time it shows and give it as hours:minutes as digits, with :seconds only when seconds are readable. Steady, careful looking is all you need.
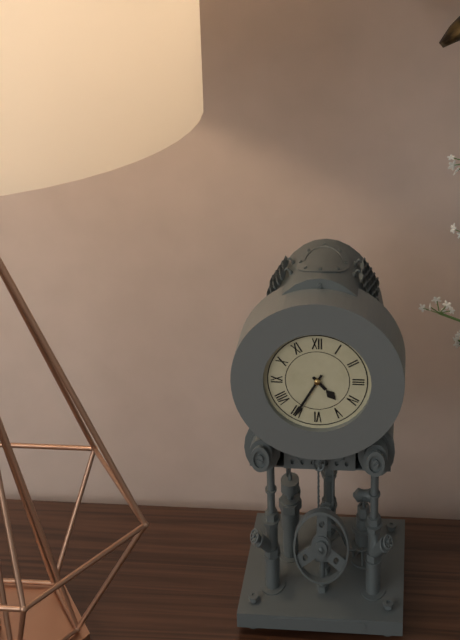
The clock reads 4:35
